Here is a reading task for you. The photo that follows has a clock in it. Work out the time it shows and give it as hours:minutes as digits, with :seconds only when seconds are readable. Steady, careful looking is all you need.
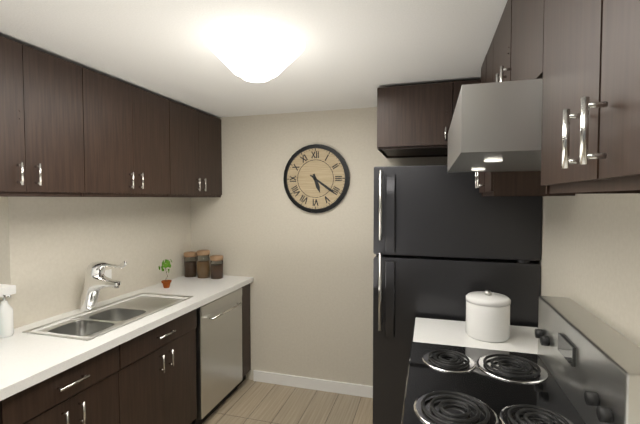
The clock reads 5:21
